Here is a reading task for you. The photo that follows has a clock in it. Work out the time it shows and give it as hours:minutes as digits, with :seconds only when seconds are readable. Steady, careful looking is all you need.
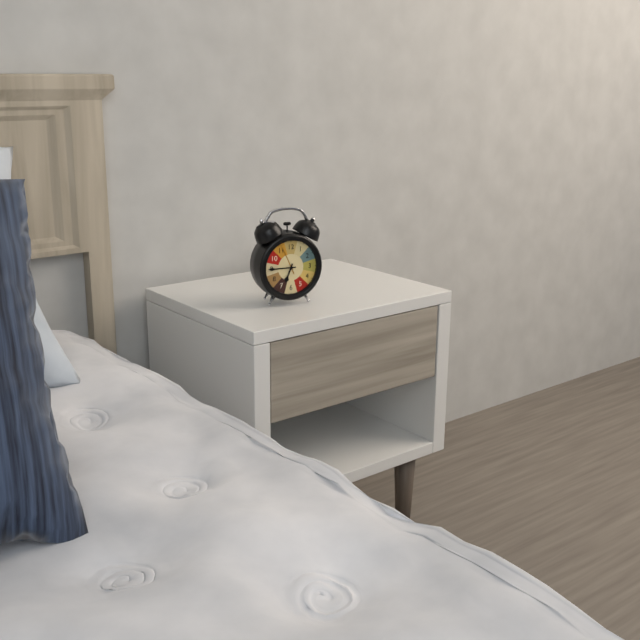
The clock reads 6:45
